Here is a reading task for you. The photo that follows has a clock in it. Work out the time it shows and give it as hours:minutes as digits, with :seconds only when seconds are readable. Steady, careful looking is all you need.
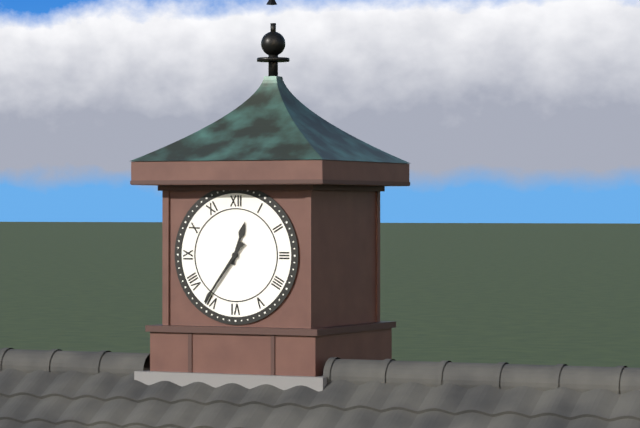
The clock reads 12:36
